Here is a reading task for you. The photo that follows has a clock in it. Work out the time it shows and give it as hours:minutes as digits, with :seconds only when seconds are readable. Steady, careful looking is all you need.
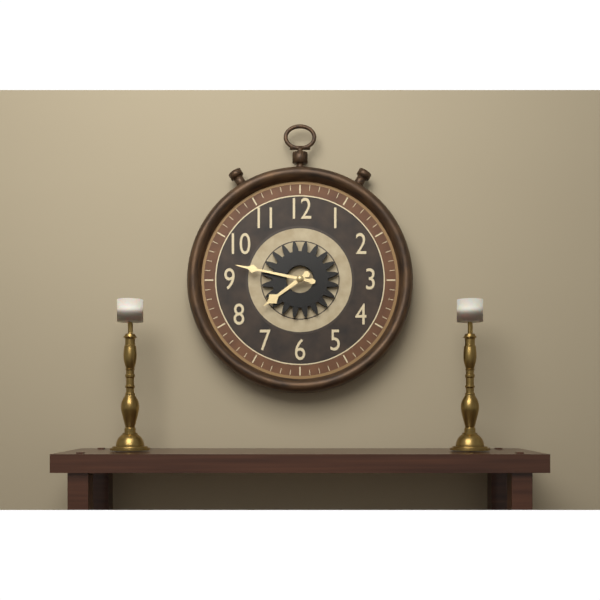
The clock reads 7:47
